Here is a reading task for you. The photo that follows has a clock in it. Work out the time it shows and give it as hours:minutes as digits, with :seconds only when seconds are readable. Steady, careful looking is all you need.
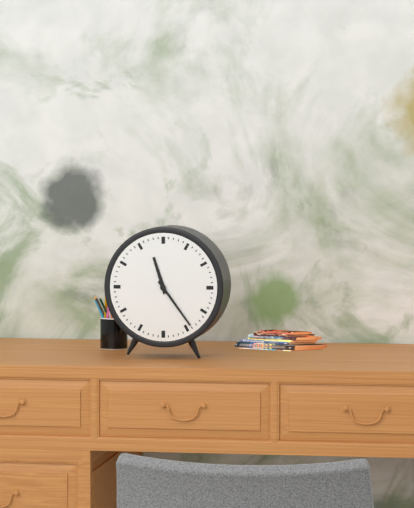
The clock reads 11:24
